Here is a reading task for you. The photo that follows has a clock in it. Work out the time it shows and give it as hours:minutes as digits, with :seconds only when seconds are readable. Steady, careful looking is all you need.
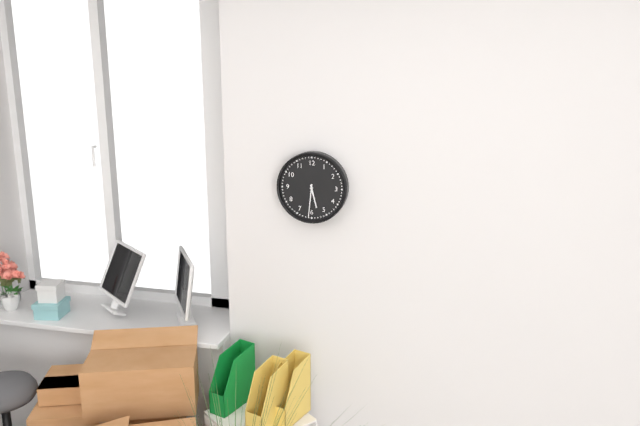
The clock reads 5:31
